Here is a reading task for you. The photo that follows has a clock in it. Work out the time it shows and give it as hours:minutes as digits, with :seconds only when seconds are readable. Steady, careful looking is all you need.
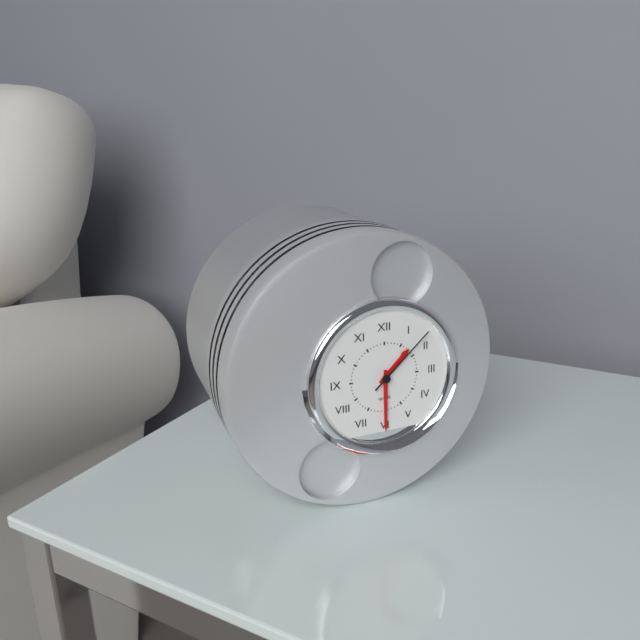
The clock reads 1:30:08
